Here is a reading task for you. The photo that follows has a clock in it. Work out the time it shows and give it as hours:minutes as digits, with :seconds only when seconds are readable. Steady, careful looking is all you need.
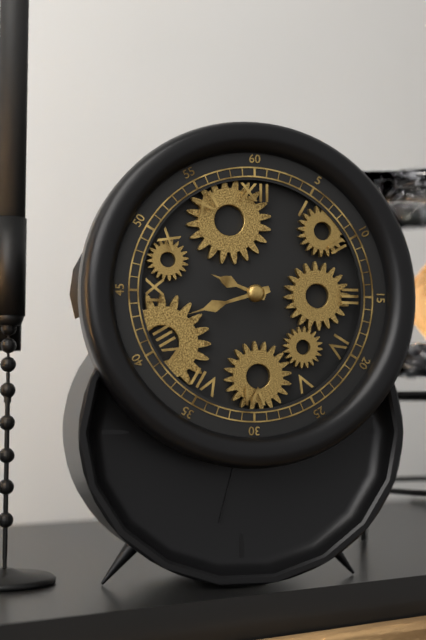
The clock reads 9:42
